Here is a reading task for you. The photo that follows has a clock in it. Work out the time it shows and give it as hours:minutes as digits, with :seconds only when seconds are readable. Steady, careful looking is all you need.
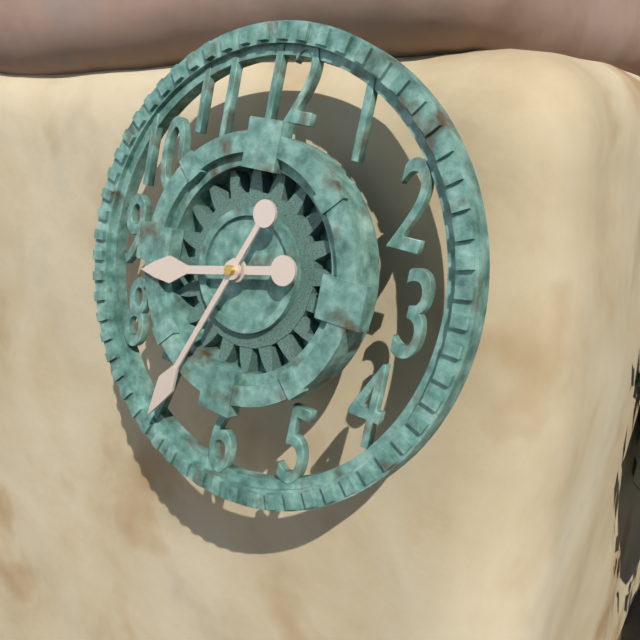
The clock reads 8:34
